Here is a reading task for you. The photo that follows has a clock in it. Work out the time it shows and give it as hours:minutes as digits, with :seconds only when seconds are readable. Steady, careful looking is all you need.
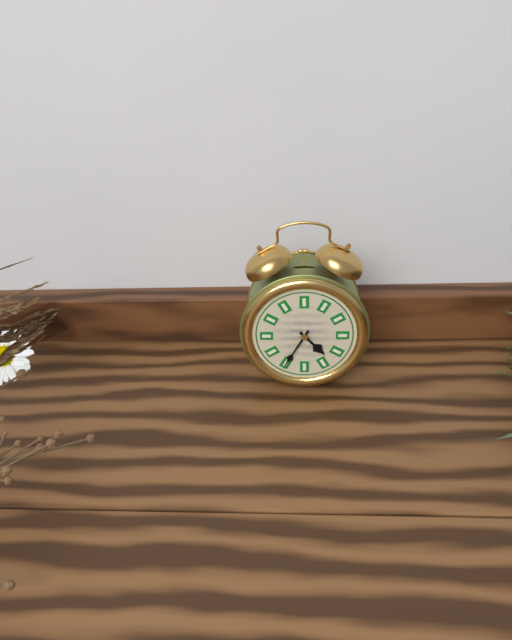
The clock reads 4:35
